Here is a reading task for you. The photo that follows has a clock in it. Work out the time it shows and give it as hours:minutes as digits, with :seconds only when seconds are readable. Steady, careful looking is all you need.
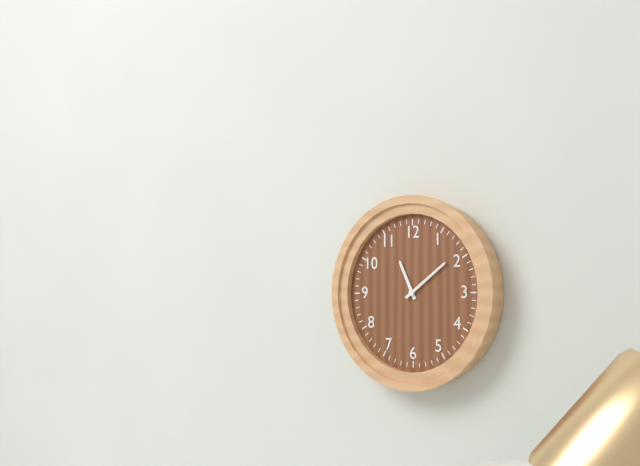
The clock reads 11:09
